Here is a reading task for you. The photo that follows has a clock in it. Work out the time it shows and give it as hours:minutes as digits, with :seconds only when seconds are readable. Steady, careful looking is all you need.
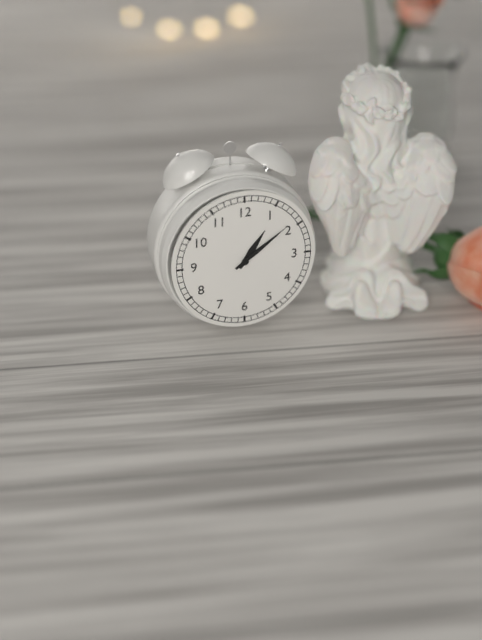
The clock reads 1:09
